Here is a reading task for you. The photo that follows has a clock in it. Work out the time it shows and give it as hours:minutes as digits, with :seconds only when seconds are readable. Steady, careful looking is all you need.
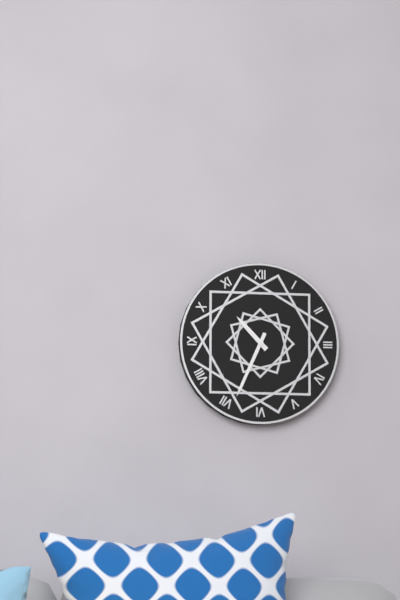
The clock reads 10:34
